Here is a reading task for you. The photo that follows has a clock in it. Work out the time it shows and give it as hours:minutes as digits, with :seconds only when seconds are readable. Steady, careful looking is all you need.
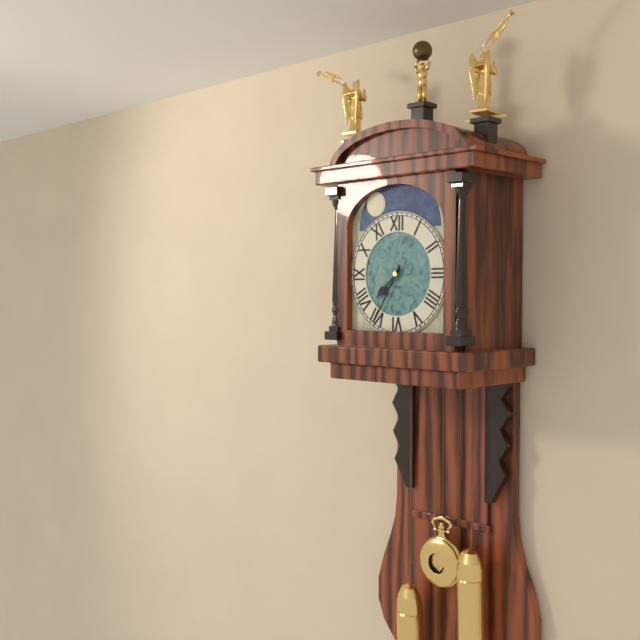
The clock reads 7:35
